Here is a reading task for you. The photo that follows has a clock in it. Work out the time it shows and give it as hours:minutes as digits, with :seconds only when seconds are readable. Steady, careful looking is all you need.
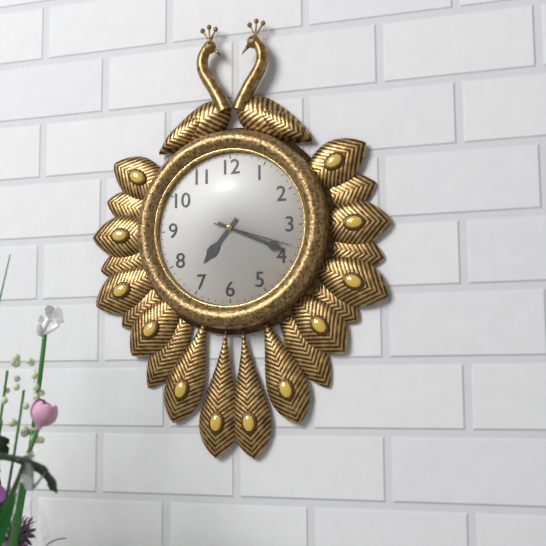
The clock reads 7:19:18
